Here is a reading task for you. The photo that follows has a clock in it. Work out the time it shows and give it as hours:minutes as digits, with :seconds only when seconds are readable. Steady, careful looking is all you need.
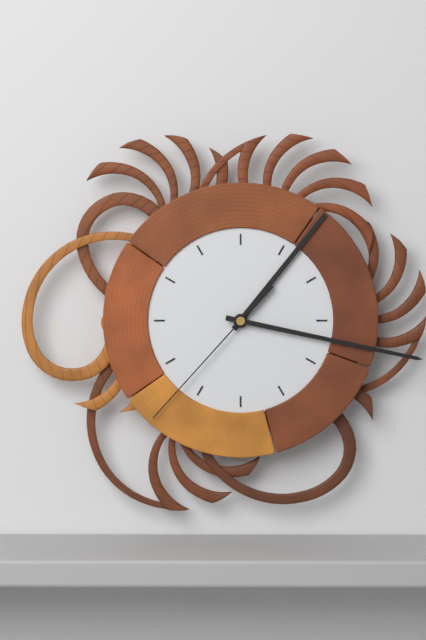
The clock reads 1:17:37
